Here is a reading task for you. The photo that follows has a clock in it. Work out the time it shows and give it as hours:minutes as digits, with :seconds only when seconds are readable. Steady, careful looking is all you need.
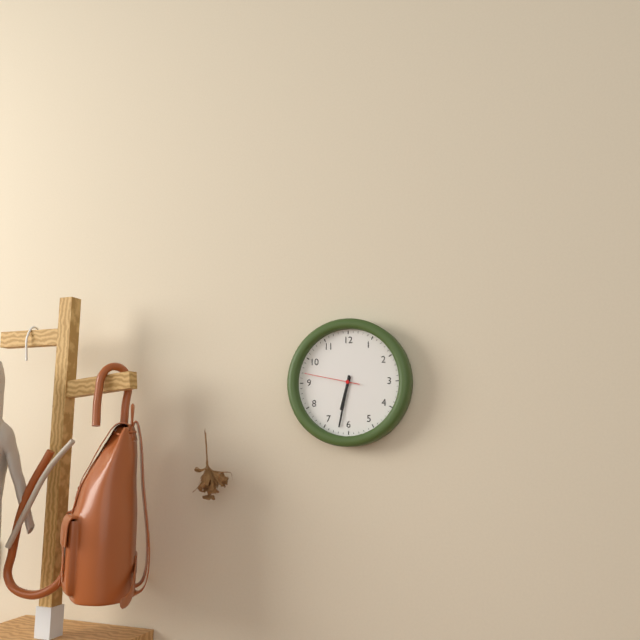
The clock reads 6:32:47
